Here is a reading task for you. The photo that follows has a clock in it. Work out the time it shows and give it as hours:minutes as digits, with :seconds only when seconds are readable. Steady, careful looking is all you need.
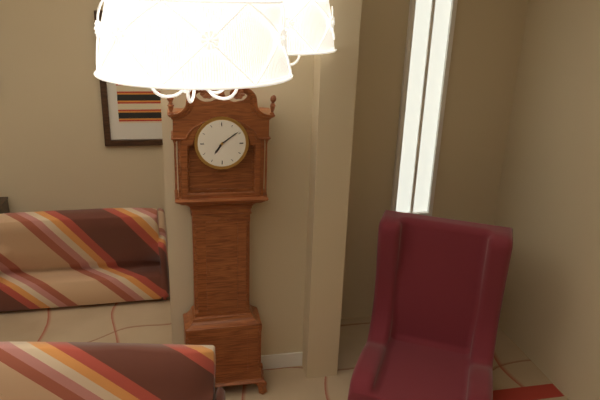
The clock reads 7:09
